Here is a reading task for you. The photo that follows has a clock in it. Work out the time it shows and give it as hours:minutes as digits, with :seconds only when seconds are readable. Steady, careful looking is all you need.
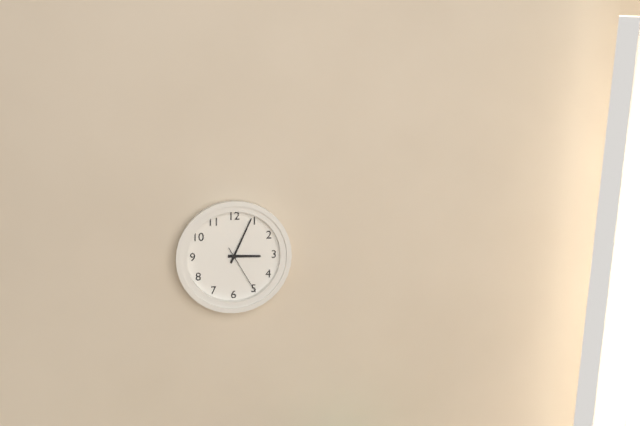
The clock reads 3:04:25
